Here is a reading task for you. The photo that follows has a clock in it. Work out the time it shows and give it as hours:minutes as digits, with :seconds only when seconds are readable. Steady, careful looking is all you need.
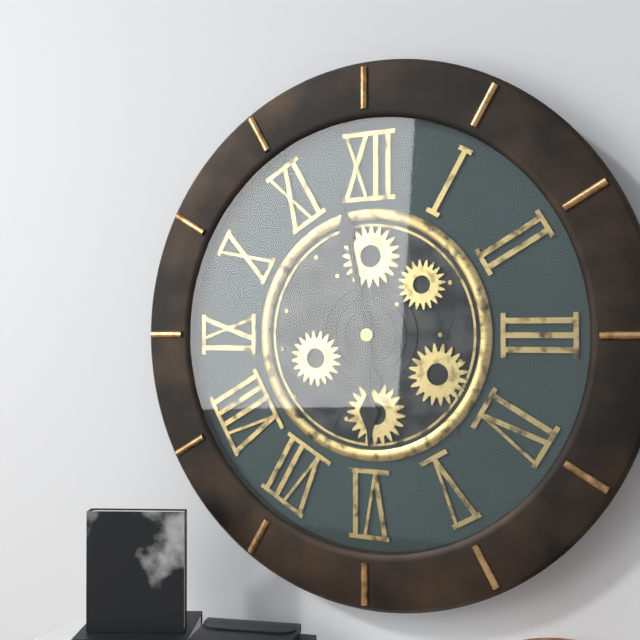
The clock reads 5:58
